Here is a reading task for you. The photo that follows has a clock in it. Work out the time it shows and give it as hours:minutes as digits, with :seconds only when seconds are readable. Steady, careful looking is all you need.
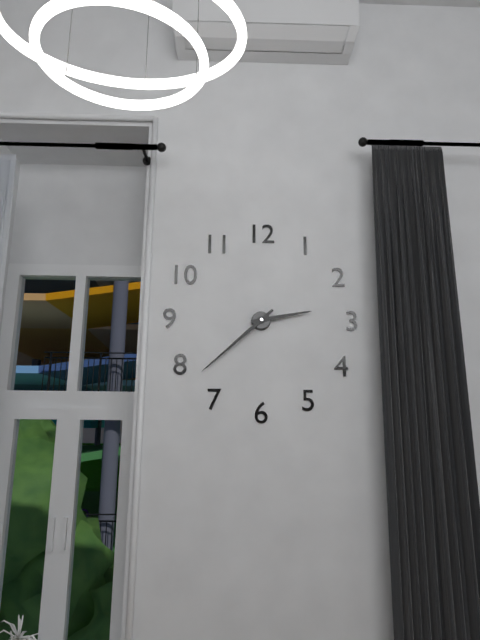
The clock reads 2:38
